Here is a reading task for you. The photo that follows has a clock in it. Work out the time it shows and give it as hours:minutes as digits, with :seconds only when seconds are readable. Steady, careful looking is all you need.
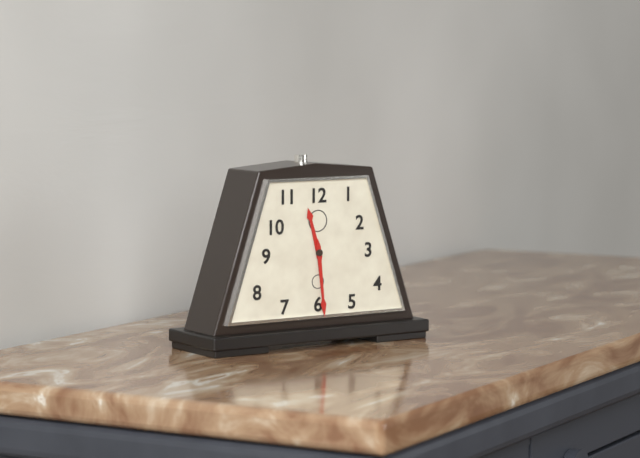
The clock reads 11:29
